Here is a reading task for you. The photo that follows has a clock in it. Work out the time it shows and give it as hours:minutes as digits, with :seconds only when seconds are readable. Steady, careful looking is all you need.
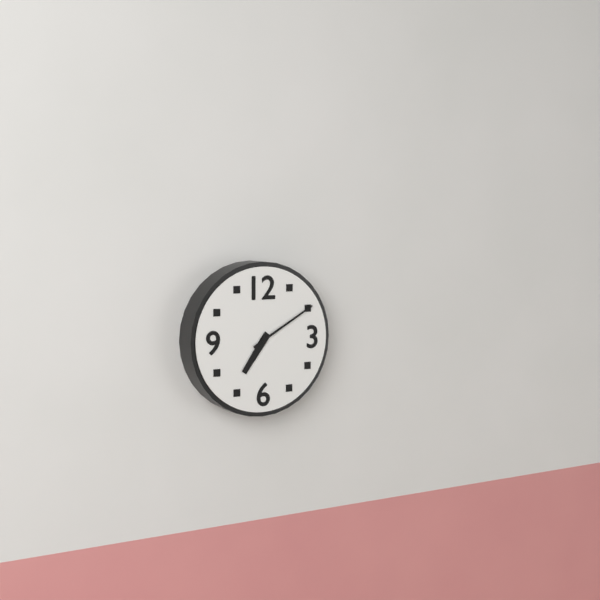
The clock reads 7:10
